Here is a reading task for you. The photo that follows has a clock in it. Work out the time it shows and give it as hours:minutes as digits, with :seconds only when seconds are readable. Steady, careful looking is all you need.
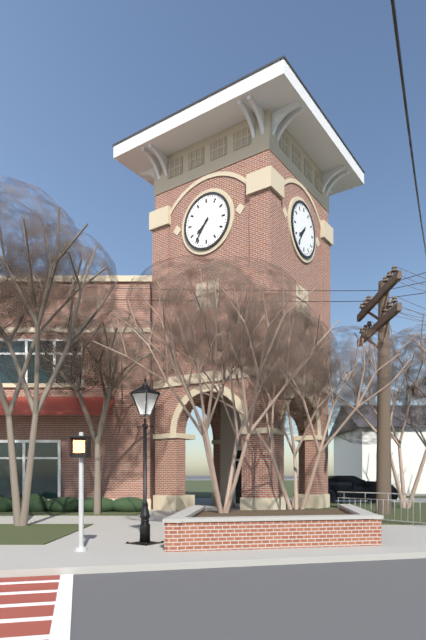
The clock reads 7:36
